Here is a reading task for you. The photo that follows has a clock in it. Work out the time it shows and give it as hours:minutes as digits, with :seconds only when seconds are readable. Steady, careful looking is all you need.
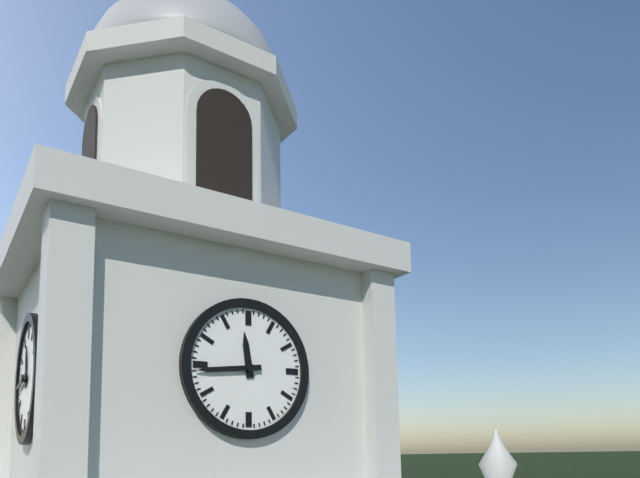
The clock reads 11:44
